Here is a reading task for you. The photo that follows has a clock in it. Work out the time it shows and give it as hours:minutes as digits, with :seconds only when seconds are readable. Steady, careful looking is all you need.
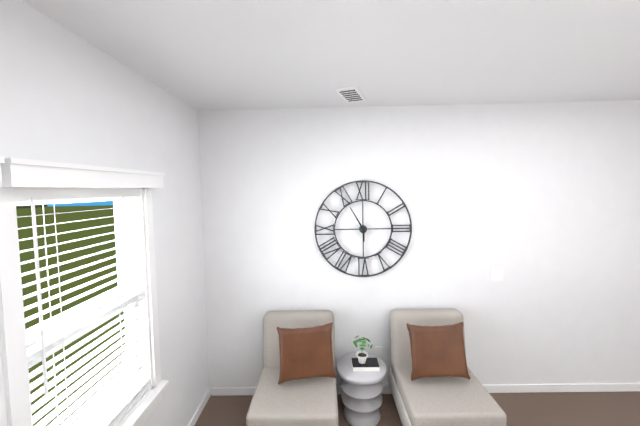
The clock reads 5:55
